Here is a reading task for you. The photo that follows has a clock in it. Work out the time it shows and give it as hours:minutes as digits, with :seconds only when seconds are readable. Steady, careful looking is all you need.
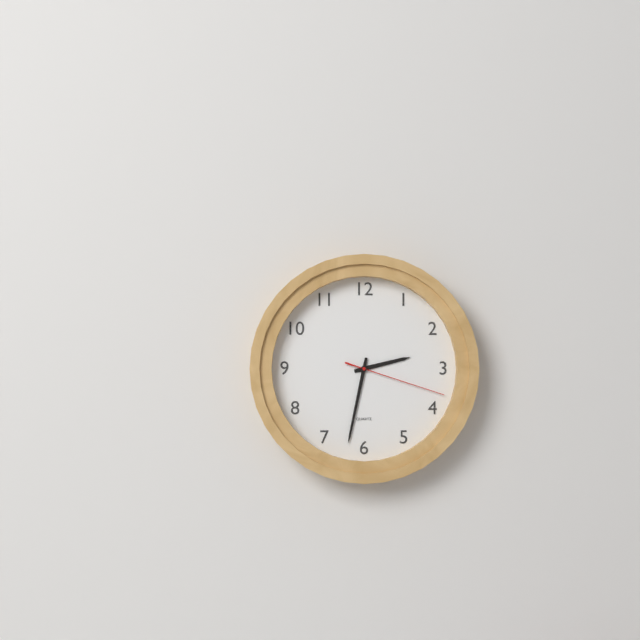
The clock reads 2:32:18
